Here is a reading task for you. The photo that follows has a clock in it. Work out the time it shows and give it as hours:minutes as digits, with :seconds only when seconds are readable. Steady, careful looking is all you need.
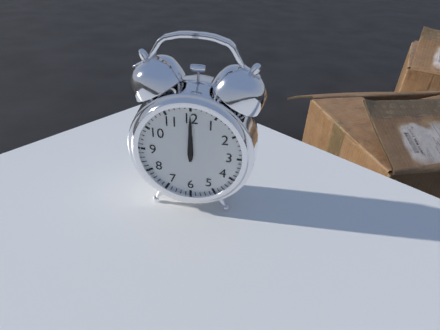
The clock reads 12:00
